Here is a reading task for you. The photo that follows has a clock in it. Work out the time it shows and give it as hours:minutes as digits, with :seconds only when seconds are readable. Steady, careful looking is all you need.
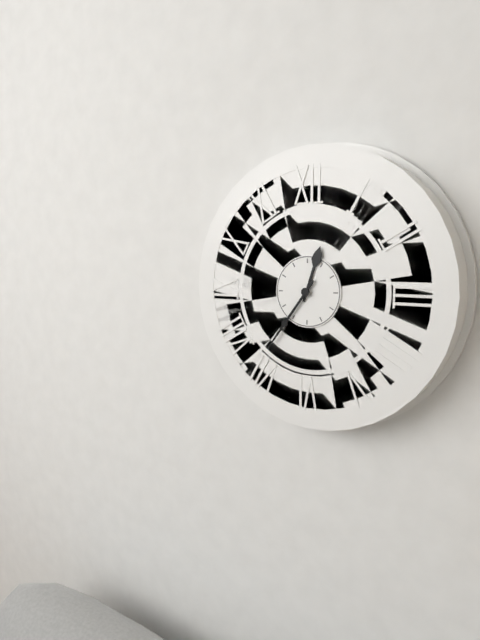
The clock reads 12:36
